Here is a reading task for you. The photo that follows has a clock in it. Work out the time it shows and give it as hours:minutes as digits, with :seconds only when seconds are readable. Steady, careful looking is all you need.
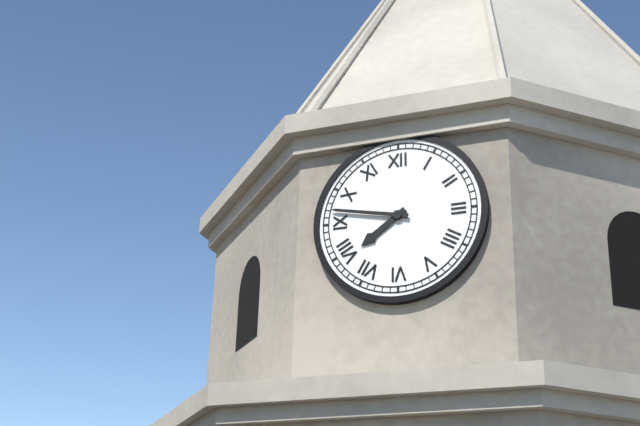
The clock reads 7:47
